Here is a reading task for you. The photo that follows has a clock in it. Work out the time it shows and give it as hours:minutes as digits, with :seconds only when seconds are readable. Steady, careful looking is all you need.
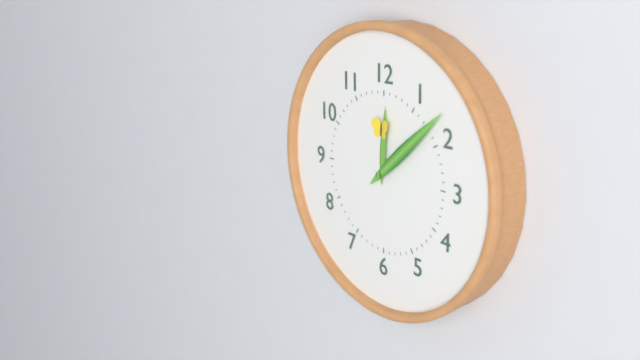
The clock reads 12:08
